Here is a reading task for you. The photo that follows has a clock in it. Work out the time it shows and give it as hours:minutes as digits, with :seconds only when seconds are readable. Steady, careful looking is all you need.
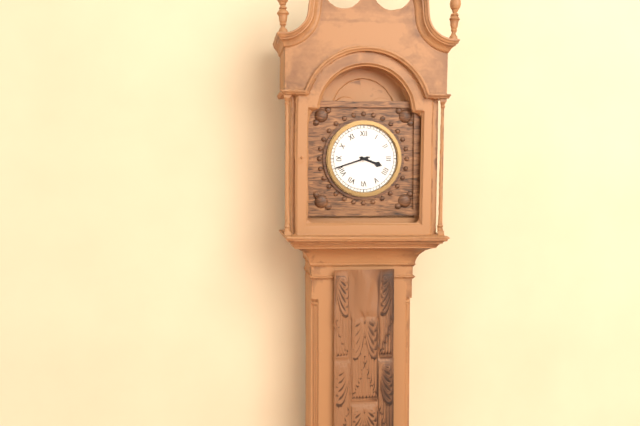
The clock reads 3:42
